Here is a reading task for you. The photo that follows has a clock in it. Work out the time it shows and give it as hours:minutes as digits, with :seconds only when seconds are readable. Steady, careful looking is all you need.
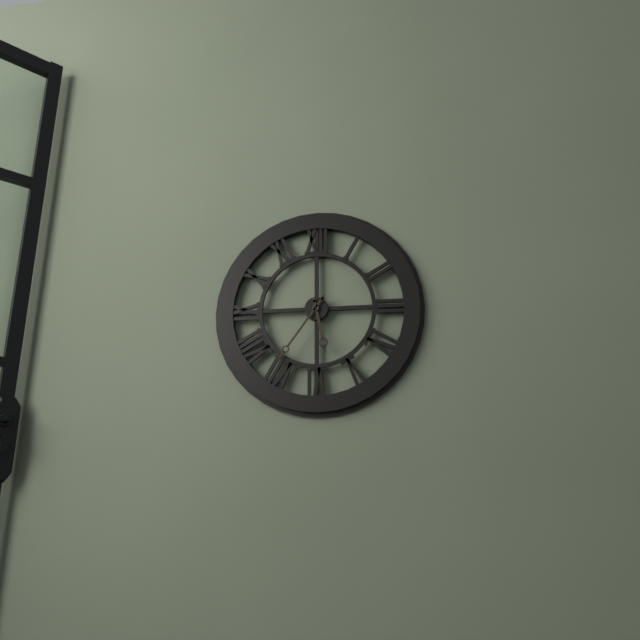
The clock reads 5:36
